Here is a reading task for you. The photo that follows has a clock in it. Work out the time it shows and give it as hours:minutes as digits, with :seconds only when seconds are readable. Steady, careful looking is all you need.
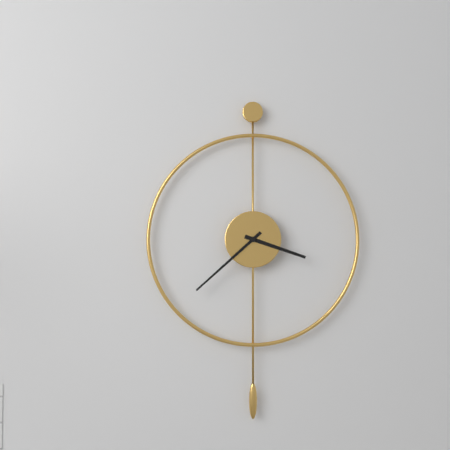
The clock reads 3:38
